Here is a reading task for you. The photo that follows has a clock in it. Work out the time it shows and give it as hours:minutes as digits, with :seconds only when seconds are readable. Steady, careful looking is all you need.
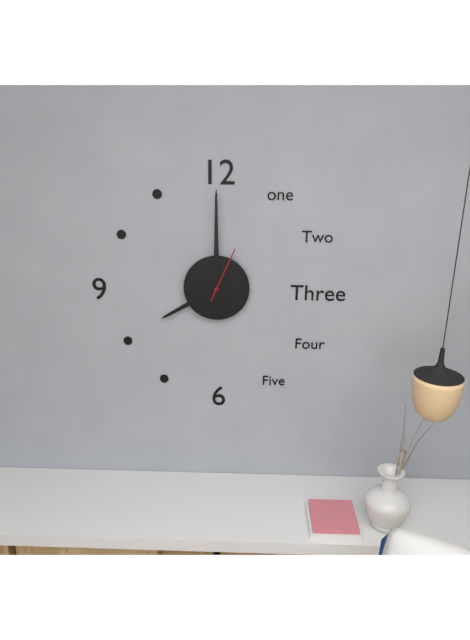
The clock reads 8:00:04
